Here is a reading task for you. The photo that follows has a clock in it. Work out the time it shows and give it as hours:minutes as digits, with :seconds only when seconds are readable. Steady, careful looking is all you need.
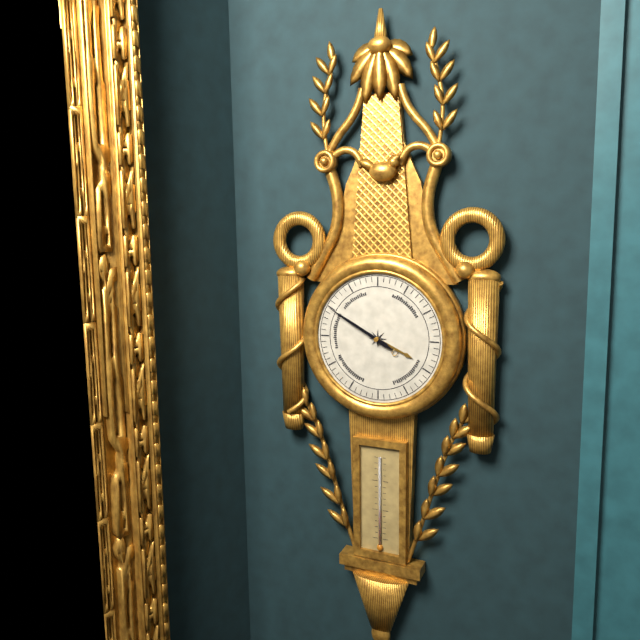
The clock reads 3:50
